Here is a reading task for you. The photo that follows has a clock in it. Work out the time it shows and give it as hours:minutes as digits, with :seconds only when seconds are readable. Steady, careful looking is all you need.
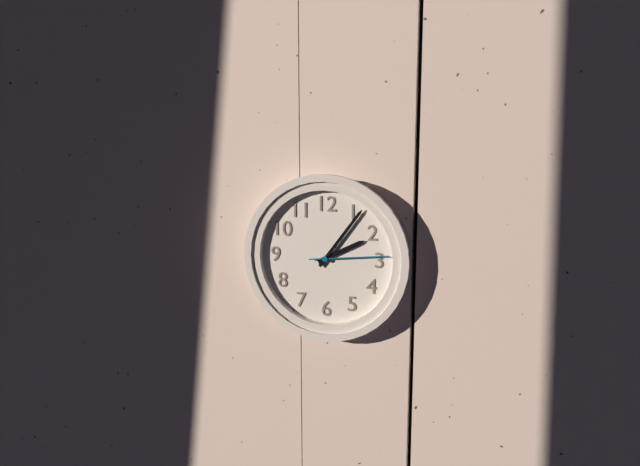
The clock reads 2:06:14
